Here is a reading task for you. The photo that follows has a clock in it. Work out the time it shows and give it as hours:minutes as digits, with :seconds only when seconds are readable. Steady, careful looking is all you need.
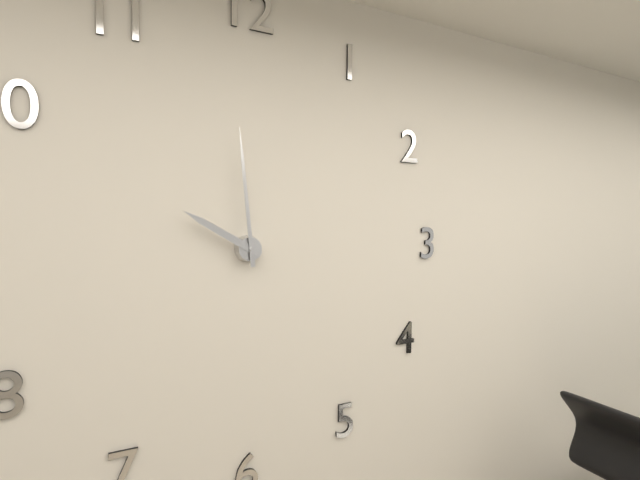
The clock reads 9:59
